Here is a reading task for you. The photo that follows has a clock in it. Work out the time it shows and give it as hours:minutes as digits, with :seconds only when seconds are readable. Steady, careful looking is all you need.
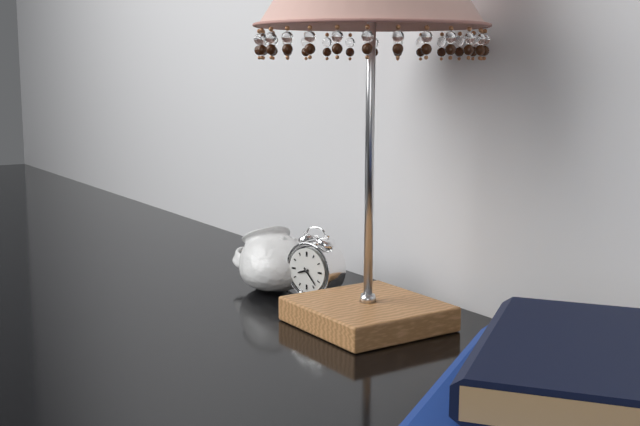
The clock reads 8:23
